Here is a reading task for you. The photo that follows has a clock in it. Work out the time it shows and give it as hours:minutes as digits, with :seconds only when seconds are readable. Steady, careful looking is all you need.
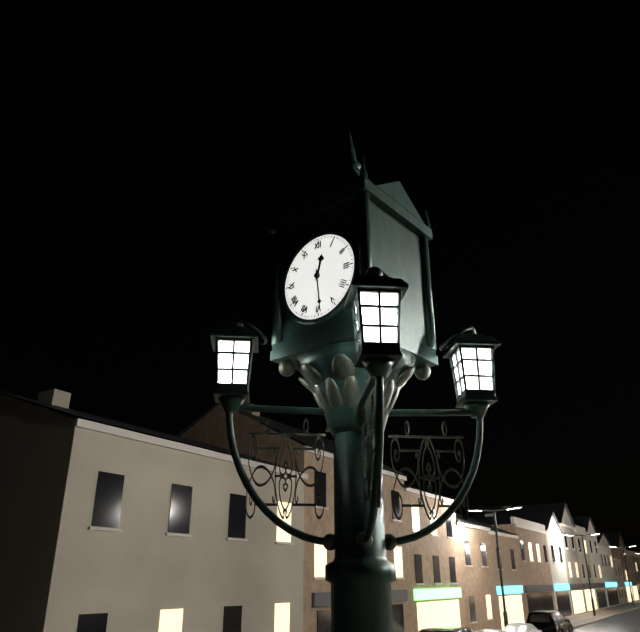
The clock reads 12:29
